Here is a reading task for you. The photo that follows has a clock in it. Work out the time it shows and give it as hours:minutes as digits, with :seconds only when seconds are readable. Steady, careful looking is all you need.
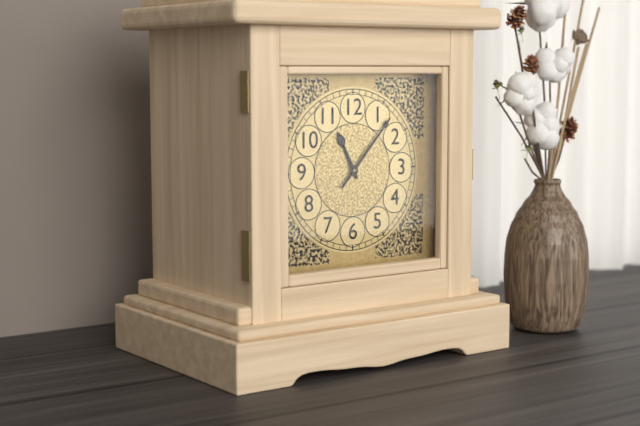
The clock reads 11:07
